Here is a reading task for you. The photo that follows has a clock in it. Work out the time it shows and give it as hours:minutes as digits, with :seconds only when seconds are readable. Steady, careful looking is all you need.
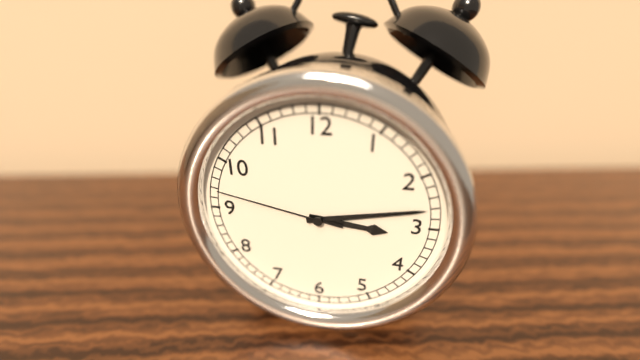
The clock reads 3:13:47
